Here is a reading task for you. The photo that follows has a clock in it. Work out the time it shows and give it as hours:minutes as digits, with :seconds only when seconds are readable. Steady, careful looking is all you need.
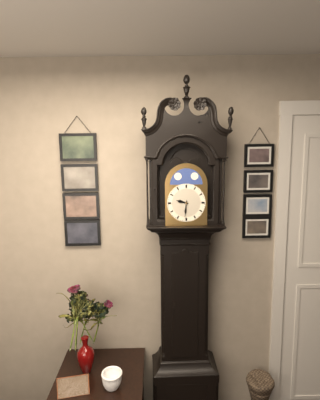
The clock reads 9:31
